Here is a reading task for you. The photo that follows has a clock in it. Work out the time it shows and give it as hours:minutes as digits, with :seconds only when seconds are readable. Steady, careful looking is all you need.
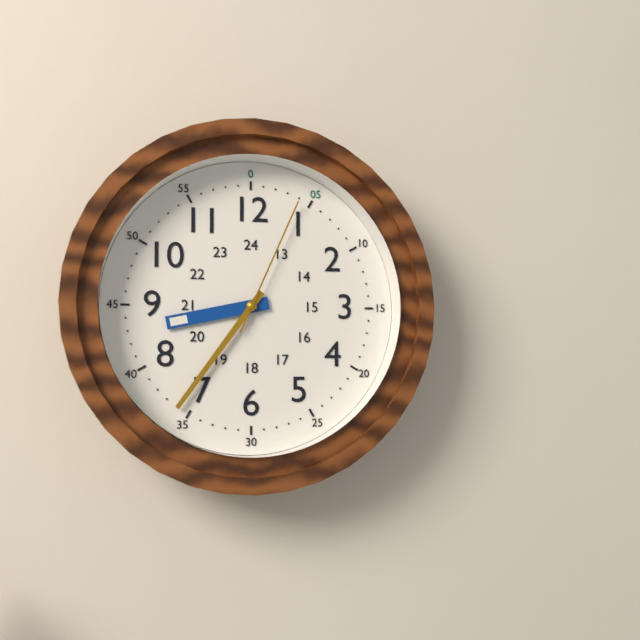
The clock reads 8:36:04
